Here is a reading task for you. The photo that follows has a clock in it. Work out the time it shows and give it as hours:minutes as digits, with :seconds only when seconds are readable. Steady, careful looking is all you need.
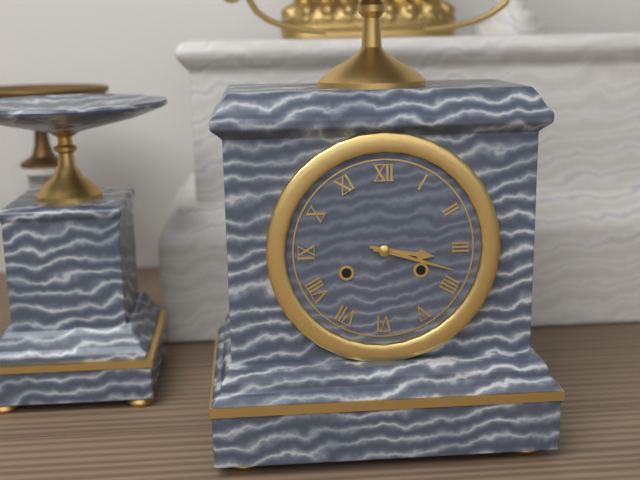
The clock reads 3:18
